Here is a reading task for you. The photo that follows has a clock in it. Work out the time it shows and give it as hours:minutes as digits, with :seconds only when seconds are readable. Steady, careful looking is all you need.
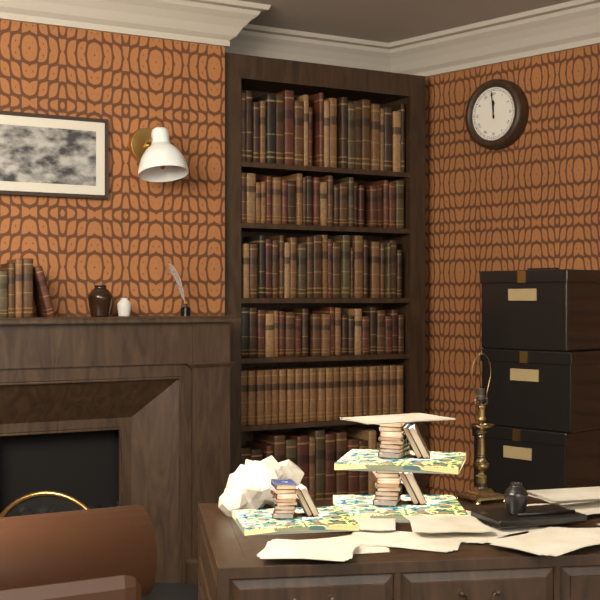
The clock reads 11:59
